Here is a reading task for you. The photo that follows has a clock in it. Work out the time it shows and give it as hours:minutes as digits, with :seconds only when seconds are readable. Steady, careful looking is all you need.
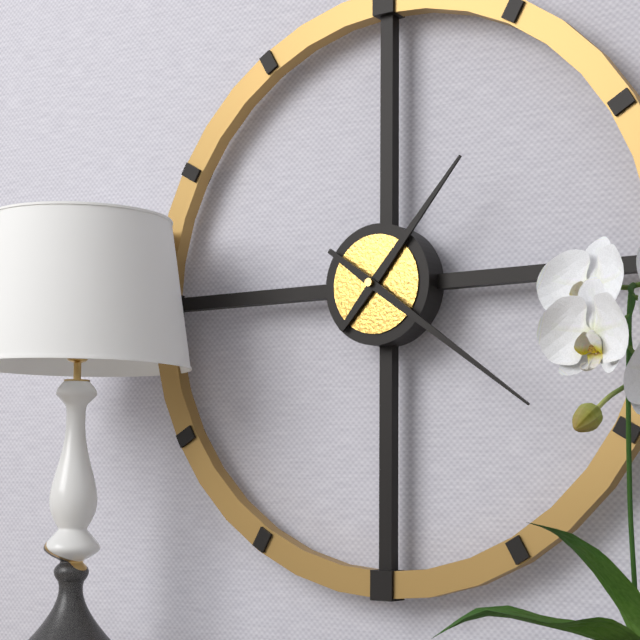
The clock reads 1:21
